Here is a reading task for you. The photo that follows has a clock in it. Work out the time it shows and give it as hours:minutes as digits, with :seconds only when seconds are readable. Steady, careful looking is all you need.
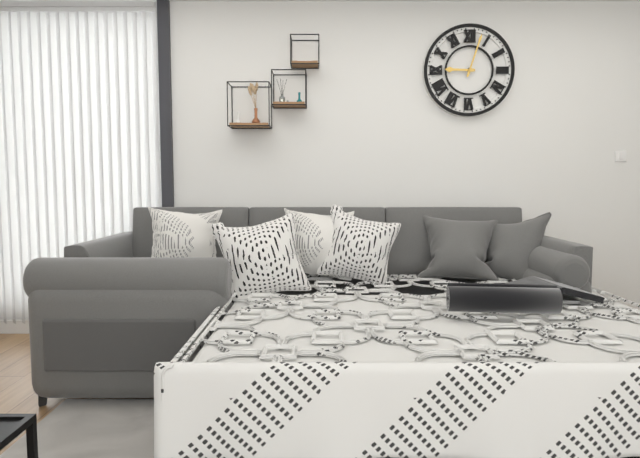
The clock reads 9:03
